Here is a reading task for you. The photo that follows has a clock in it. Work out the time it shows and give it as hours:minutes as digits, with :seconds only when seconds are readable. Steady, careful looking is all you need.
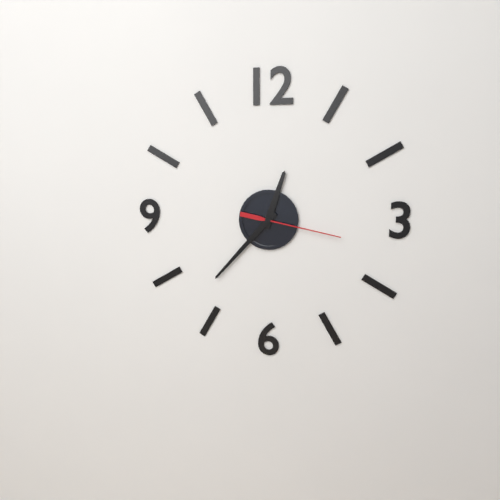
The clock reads 12:37:17
